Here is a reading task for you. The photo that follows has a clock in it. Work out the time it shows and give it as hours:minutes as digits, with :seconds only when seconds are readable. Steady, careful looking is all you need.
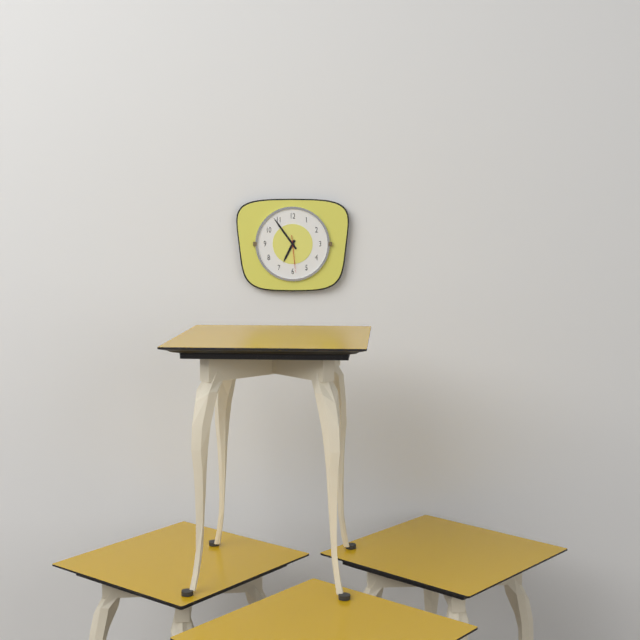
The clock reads 6:54
